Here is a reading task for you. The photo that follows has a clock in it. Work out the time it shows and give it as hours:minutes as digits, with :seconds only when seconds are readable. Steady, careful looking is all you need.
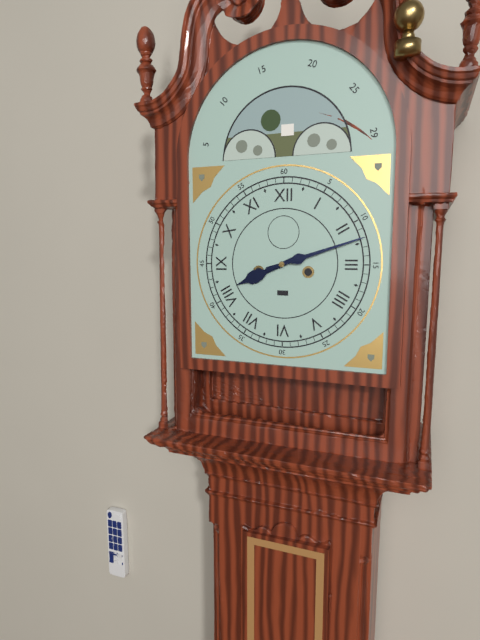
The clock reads 8:12
